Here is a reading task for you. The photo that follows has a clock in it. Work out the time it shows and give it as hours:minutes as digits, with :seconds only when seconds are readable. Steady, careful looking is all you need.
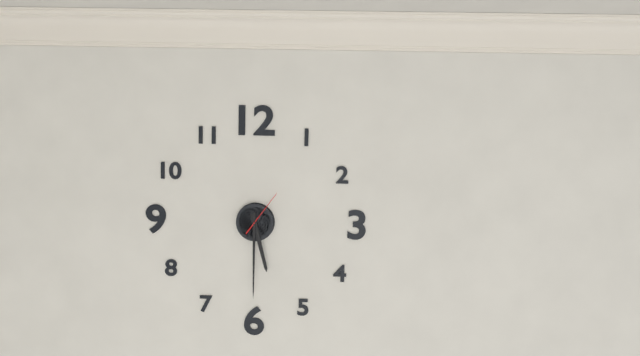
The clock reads 5:30
